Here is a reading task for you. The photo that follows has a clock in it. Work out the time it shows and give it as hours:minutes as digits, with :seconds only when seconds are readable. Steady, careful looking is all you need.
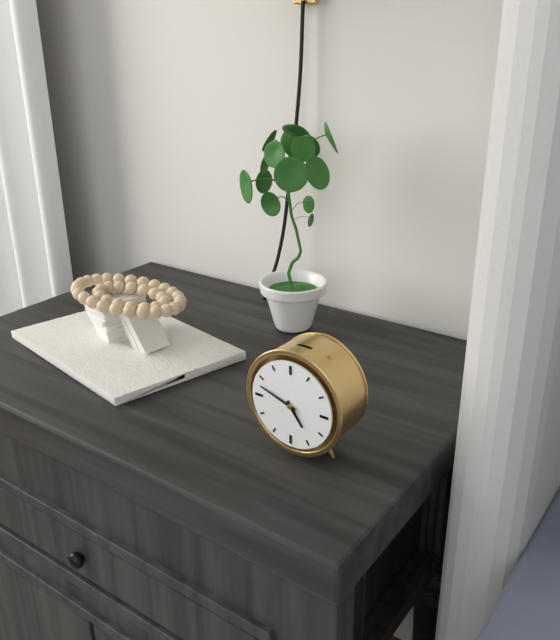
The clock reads 4:48
